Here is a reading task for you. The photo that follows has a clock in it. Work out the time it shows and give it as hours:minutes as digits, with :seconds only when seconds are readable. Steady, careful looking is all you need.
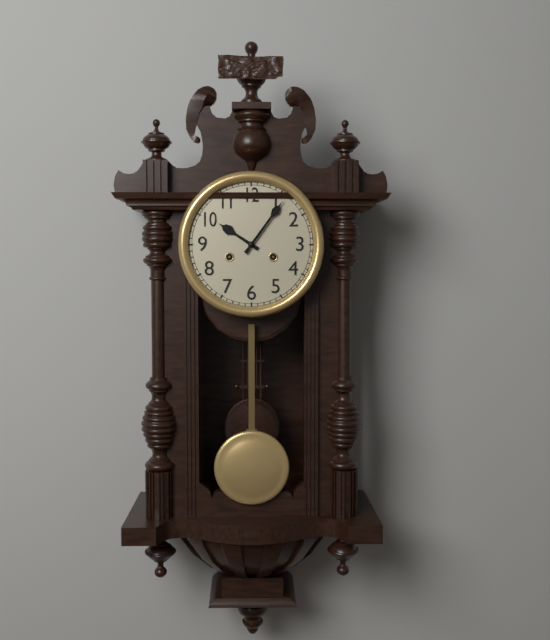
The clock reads 10:06
